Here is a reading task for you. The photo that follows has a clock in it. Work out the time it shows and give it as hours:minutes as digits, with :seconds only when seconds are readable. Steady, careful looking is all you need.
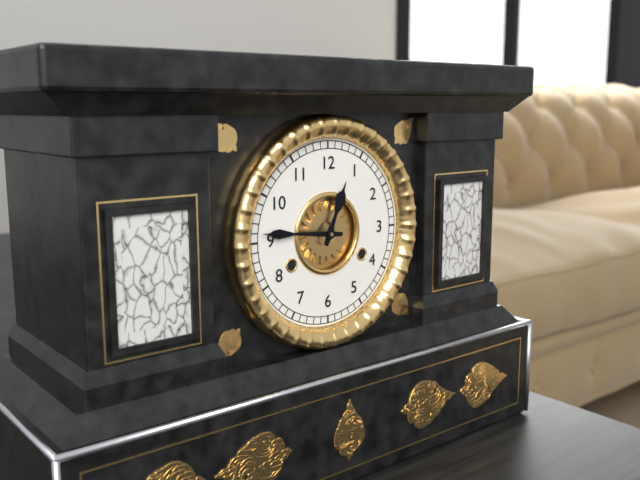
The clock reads 12:46
